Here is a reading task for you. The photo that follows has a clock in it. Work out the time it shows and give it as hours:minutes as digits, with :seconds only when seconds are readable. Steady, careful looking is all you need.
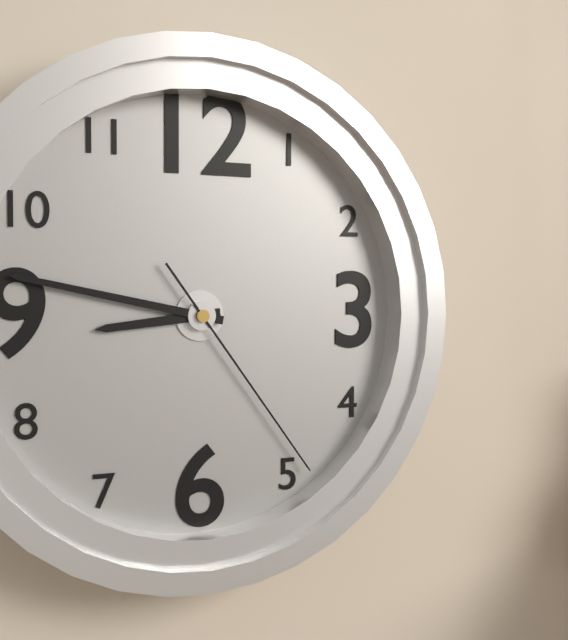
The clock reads 8:47:24
